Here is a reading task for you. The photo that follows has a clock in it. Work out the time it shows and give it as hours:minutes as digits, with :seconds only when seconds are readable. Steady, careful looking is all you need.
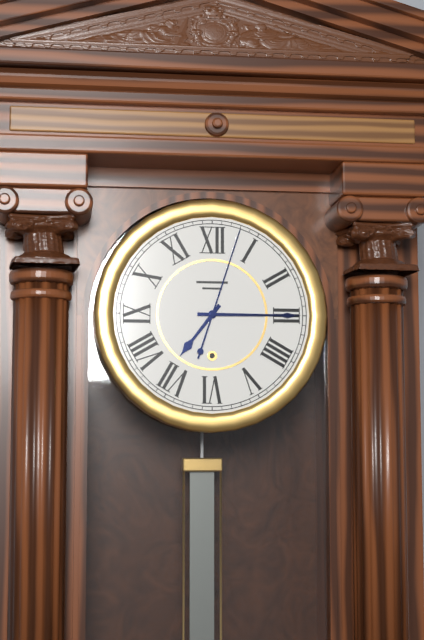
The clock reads 7:15:03
